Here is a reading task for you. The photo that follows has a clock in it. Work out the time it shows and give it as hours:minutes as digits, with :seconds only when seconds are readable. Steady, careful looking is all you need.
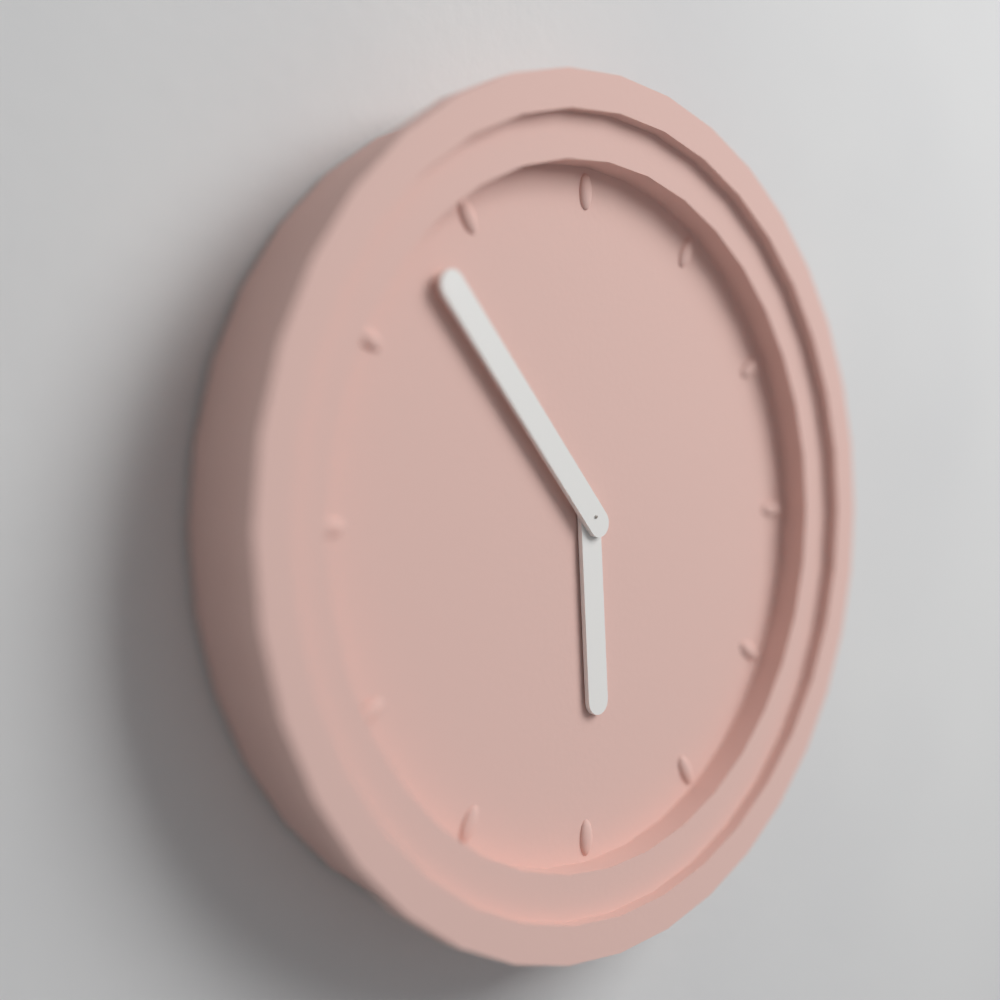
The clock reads 5:53
